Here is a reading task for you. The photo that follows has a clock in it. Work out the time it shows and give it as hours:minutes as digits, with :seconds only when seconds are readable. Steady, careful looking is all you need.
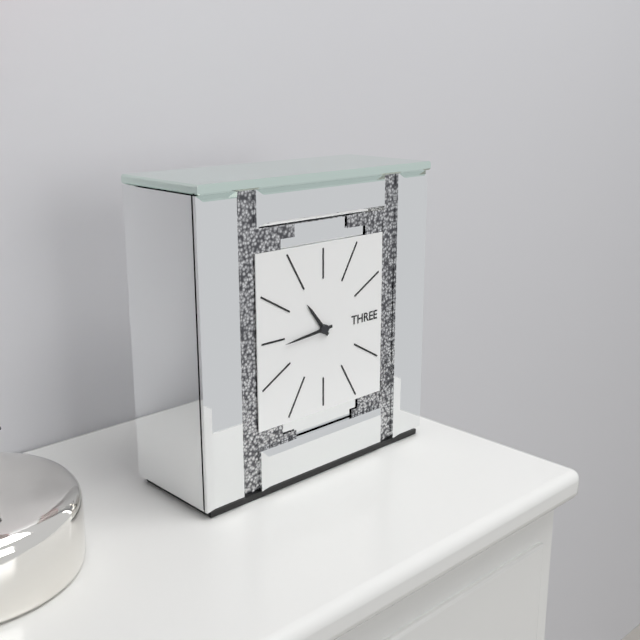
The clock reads 10:44
